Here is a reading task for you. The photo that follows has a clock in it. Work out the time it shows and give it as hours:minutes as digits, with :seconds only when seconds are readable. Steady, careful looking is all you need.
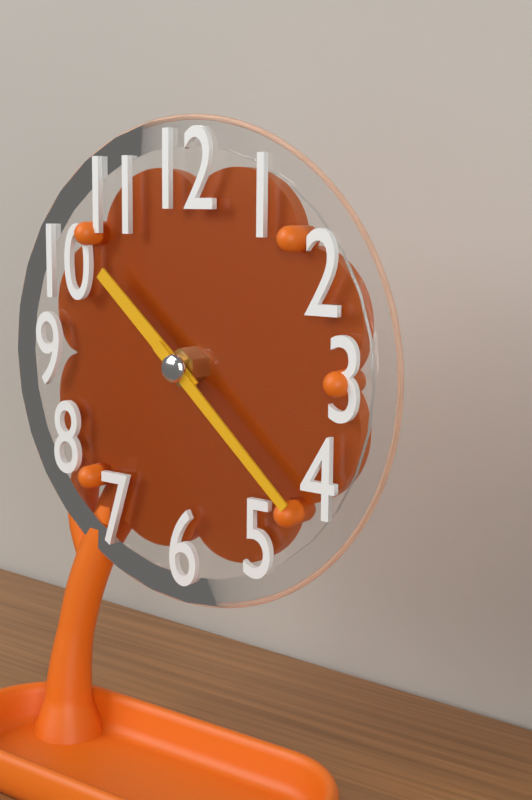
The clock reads 10:22
